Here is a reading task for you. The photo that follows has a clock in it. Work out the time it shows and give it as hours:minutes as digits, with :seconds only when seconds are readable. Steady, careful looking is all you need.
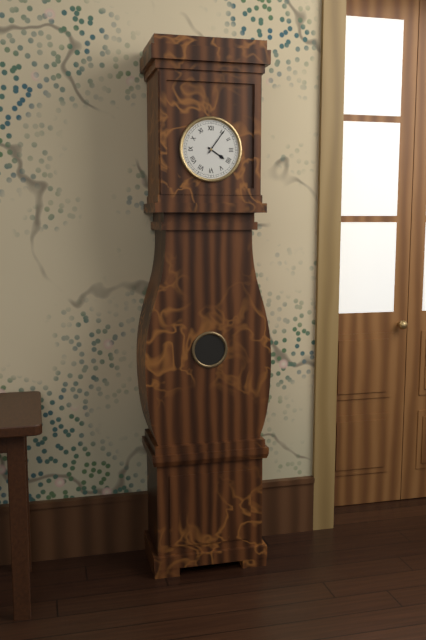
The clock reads 4:06
